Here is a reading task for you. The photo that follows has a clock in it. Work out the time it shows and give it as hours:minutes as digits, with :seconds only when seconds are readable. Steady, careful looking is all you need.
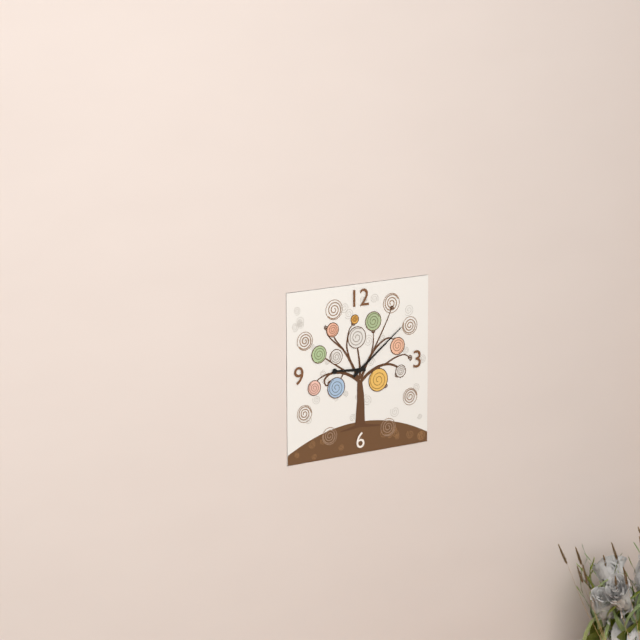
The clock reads 9:09
